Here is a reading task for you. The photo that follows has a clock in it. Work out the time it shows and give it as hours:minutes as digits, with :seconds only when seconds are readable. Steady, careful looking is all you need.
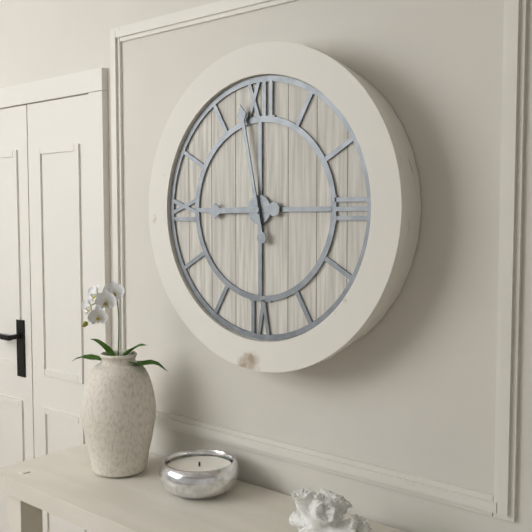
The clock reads 8:58
